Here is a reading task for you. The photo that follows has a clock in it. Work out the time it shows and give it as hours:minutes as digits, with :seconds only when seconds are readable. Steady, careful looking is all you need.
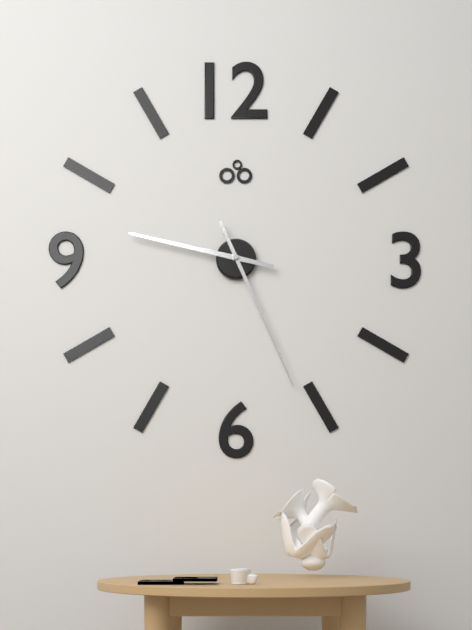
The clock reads 9:26
